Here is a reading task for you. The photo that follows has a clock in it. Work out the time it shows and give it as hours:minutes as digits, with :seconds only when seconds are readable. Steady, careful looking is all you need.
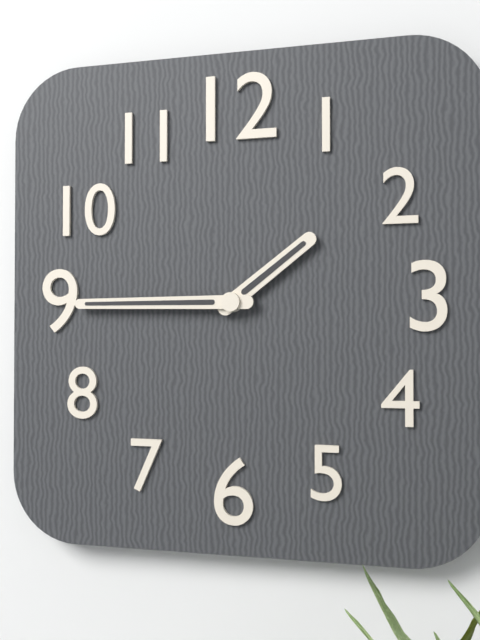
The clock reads 1:45
